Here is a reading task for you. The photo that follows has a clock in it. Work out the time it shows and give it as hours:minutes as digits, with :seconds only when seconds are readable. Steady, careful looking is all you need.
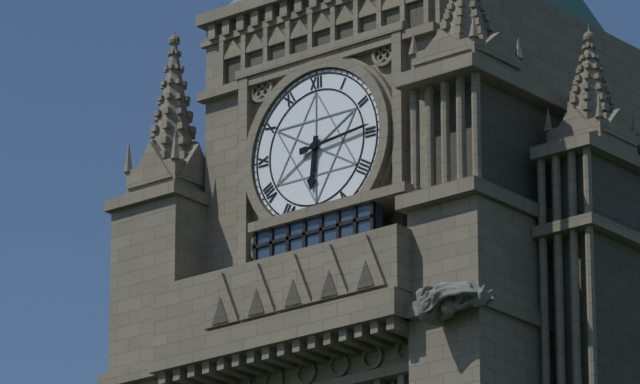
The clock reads 6:14
